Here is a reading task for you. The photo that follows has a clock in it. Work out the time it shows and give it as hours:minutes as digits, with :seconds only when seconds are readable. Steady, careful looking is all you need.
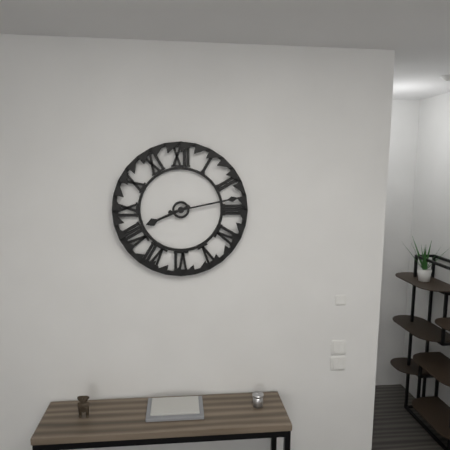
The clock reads 8:13
